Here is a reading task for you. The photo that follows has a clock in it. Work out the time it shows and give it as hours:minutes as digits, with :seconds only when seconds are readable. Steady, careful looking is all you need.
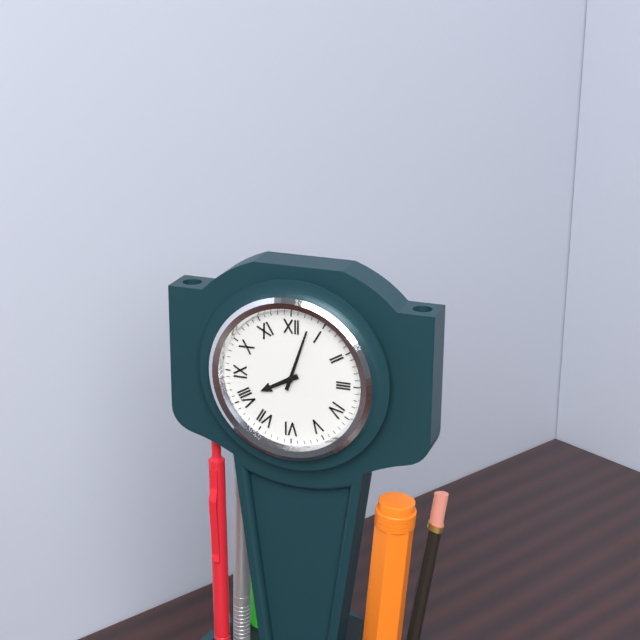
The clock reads 8:03
